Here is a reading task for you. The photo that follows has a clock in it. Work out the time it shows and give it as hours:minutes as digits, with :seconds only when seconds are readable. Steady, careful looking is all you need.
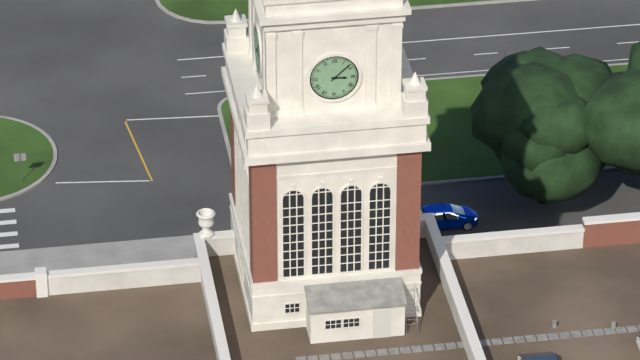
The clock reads 3:08
